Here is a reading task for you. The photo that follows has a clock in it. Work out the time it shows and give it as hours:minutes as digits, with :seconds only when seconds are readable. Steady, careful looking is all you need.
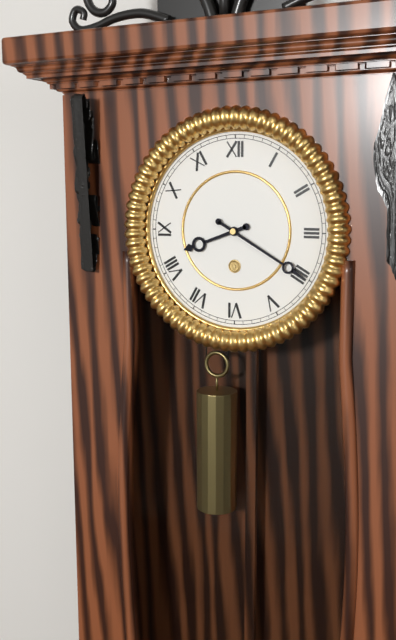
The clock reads 8:20
